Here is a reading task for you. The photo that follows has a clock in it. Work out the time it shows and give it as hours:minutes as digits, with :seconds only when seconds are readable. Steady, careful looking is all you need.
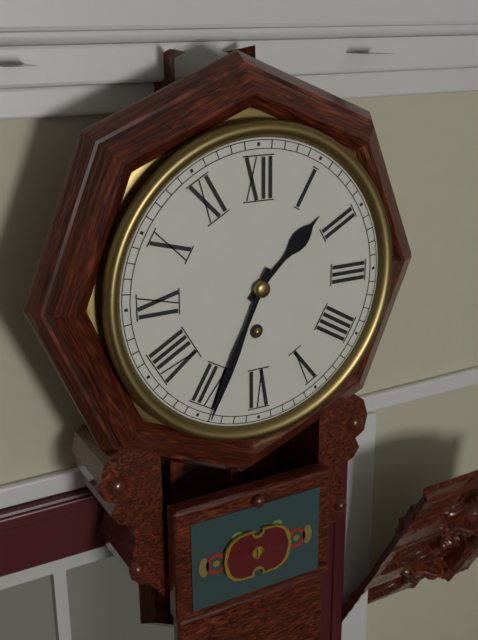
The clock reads 1:34
